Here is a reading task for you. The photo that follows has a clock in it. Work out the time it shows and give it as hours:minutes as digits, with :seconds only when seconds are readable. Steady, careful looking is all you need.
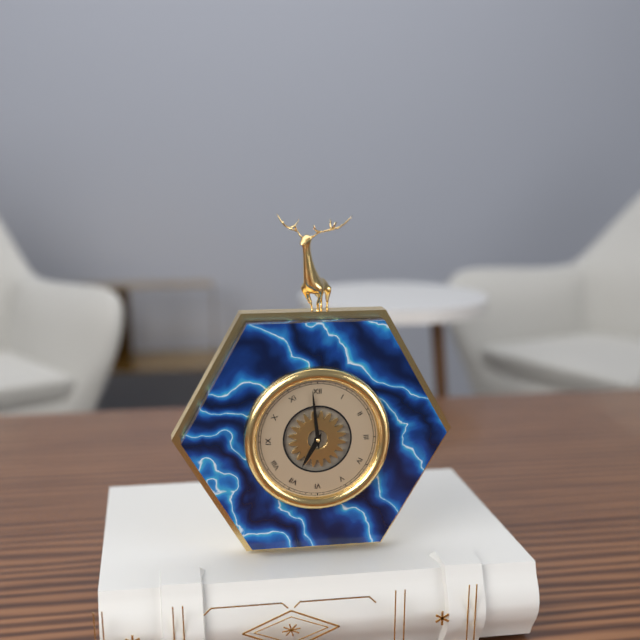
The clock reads 6:59
